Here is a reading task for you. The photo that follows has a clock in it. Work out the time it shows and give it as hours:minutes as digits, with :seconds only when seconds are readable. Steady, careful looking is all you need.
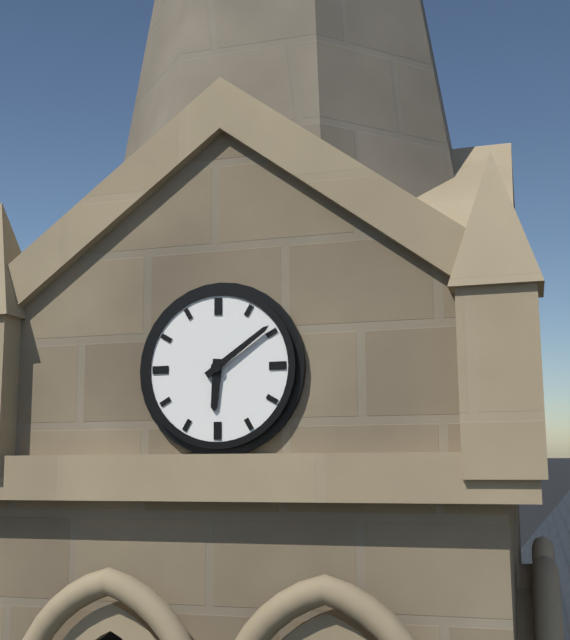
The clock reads 6:09
